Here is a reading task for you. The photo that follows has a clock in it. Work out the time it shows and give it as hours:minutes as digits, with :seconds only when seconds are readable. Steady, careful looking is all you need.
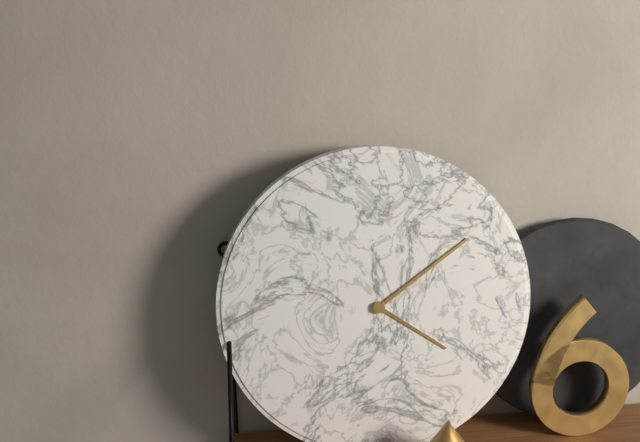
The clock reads 4:09
